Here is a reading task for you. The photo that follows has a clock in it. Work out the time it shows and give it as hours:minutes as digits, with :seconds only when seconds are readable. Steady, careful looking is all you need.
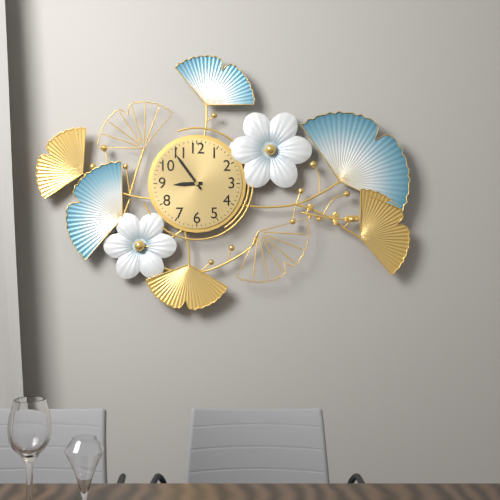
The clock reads 8:54
